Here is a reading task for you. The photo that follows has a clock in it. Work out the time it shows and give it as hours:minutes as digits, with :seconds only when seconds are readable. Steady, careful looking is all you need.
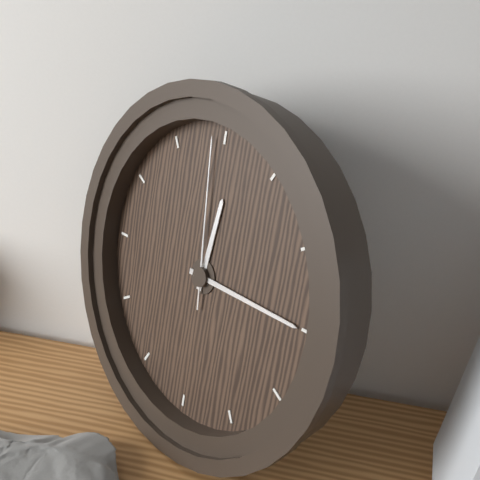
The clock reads 12:15:59
